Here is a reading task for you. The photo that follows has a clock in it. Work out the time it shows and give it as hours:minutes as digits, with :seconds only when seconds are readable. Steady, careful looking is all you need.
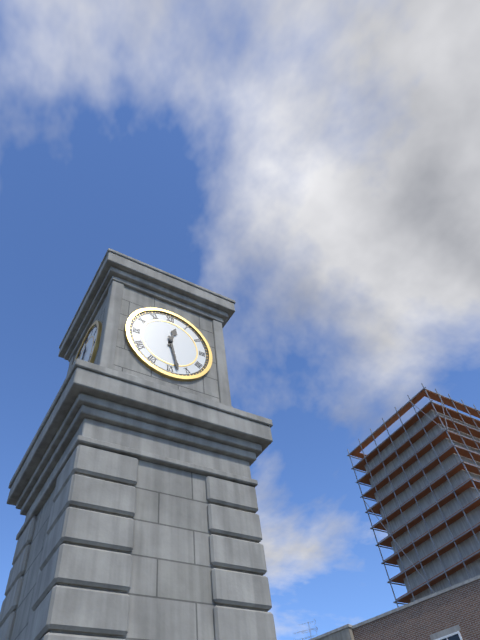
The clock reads 12:28
